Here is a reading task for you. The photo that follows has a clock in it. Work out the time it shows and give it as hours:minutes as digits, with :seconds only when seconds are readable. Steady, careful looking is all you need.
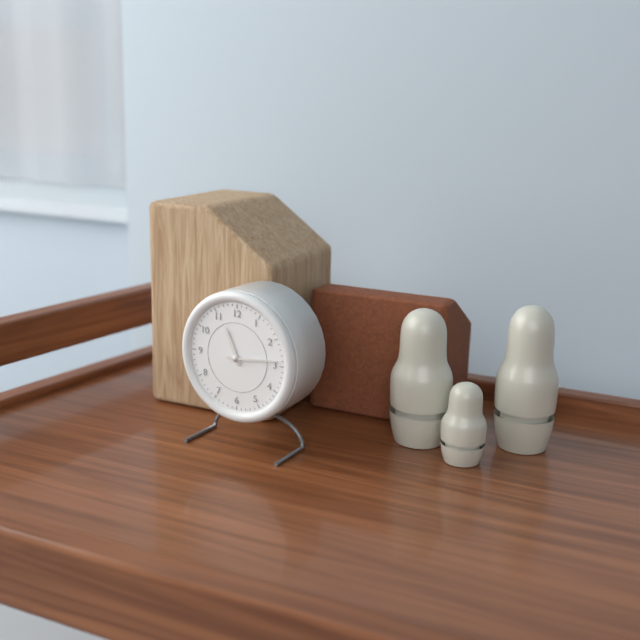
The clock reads 11:14
